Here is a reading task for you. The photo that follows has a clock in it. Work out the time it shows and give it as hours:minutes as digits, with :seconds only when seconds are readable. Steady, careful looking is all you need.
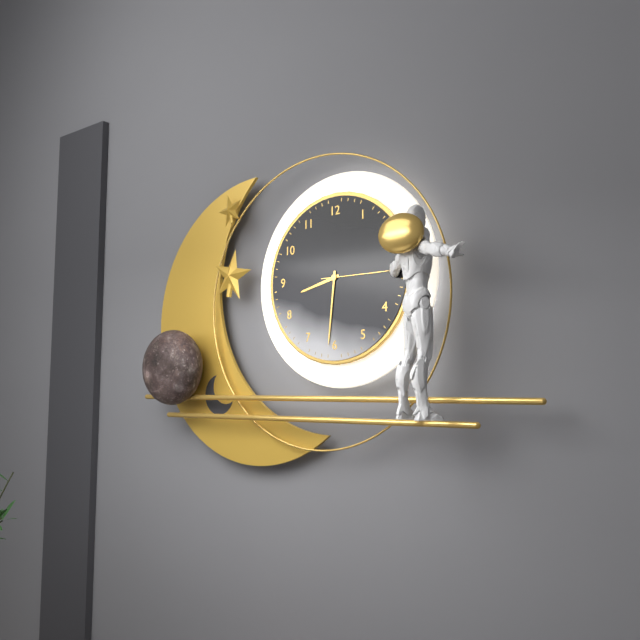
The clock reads 8:31:15
